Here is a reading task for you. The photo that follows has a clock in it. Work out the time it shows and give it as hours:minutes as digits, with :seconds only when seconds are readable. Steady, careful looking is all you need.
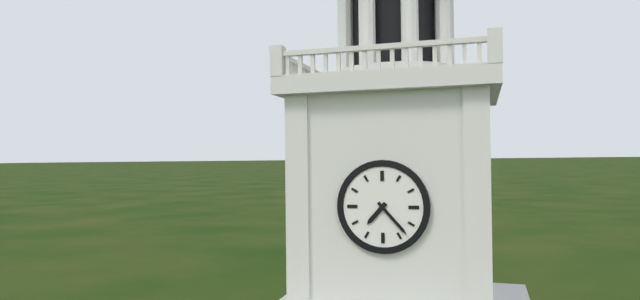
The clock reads 7:23
